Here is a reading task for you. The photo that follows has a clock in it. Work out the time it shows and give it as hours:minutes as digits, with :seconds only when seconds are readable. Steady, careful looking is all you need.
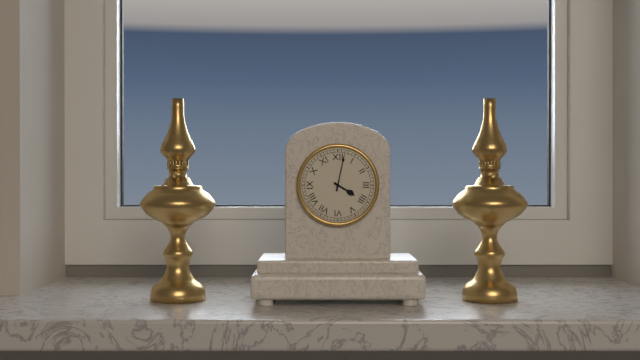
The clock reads 4:02
